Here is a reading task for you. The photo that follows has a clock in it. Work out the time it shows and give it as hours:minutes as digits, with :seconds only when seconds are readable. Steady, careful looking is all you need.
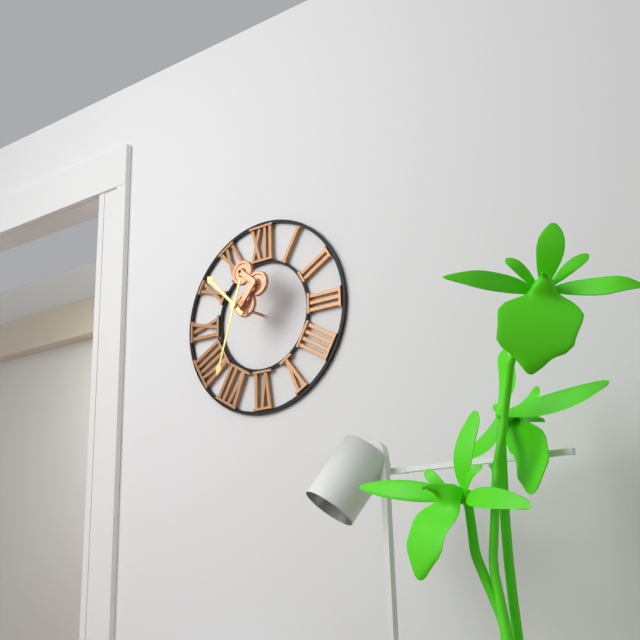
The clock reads 10:33
